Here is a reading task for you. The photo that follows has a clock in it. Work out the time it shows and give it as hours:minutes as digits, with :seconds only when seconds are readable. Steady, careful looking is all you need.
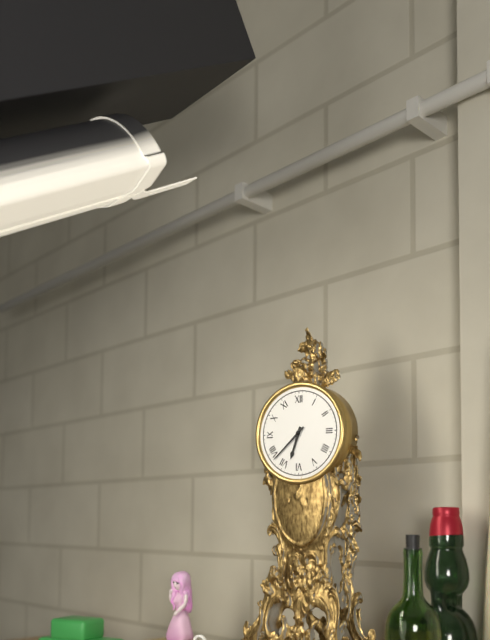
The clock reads 6:38
